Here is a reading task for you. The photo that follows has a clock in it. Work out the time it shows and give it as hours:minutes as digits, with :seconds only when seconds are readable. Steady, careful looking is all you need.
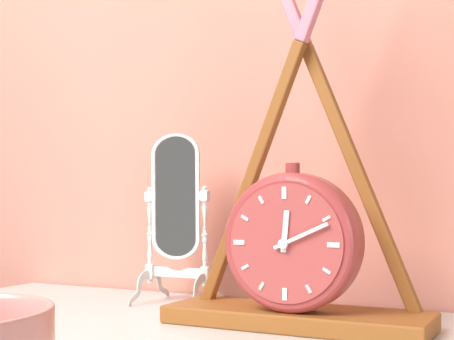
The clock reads 12:11
